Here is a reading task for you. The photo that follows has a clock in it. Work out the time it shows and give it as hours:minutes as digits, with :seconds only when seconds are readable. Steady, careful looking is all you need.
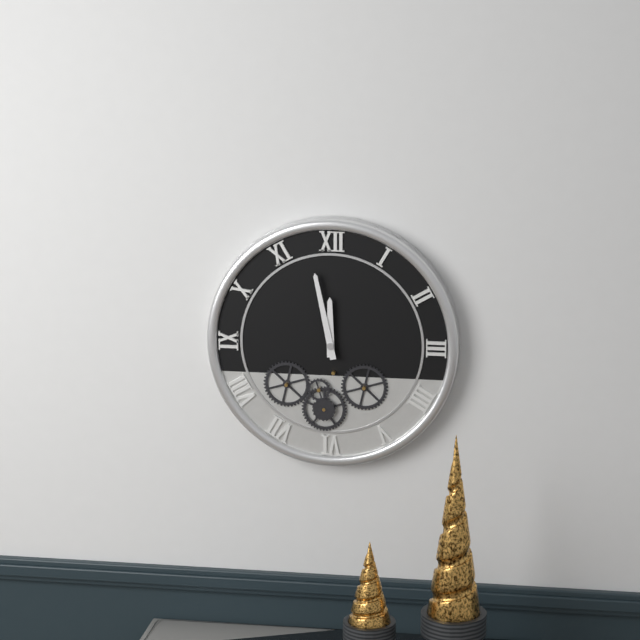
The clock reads 11:58
